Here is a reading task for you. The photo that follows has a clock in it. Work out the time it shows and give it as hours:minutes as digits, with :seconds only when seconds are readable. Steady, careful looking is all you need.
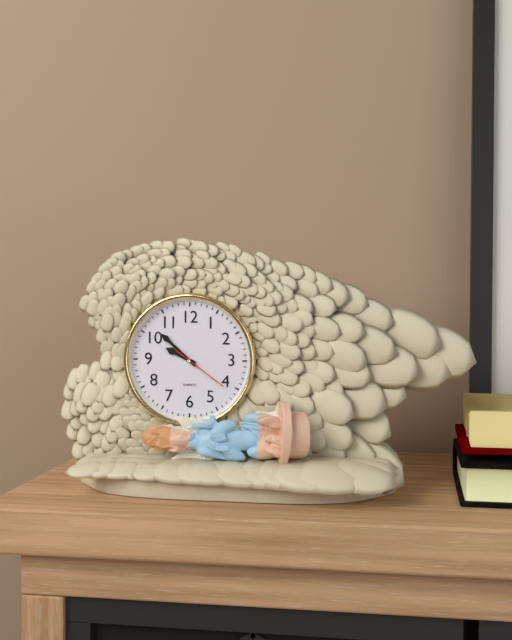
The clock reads 9:52:21
